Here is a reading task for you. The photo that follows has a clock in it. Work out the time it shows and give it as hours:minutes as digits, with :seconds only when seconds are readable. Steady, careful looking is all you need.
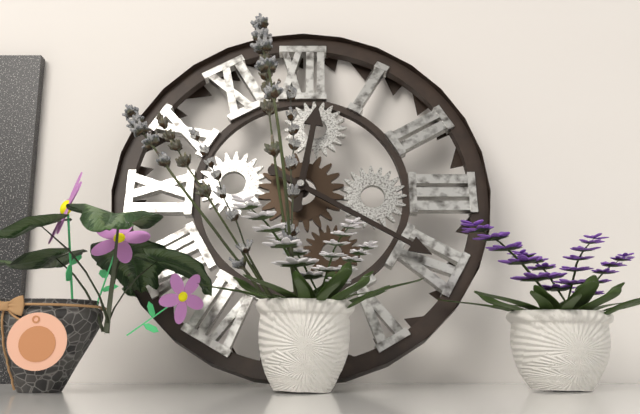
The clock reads 12:20
